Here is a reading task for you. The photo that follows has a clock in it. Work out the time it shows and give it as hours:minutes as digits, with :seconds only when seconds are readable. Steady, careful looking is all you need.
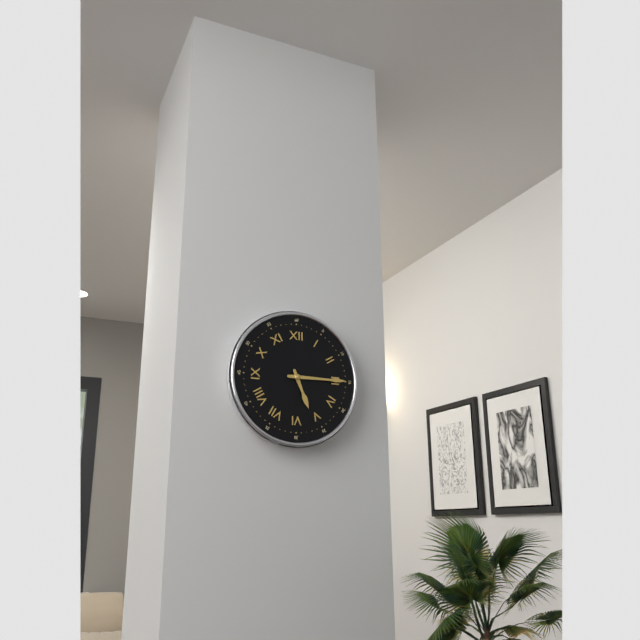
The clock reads 5:15
